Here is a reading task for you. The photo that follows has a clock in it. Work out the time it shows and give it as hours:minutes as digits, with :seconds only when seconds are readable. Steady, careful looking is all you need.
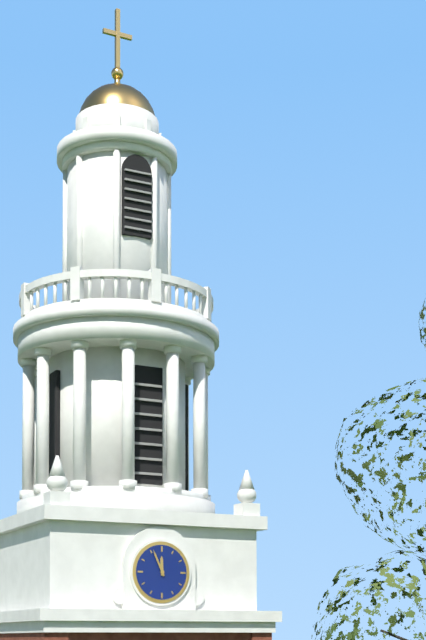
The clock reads 11:56
